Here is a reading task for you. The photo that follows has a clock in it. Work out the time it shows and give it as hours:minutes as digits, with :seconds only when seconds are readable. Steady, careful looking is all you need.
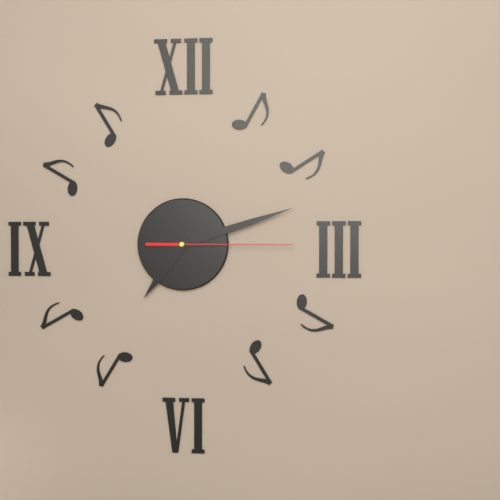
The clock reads 7:12:15
